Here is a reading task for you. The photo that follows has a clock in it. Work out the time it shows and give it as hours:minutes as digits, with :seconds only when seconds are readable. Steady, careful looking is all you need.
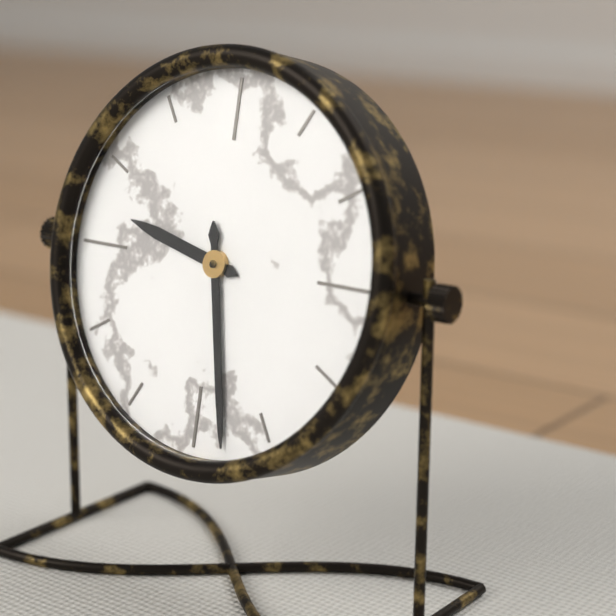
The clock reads 9:28
